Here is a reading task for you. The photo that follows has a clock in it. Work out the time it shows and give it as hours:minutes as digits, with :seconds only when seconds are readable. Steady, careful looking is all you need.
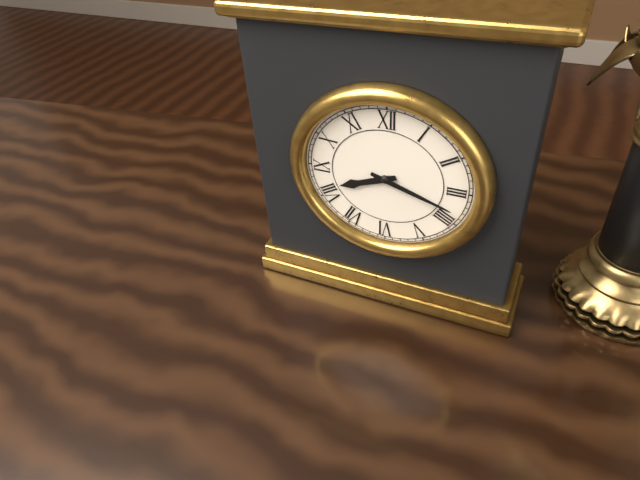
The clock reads 8:18
